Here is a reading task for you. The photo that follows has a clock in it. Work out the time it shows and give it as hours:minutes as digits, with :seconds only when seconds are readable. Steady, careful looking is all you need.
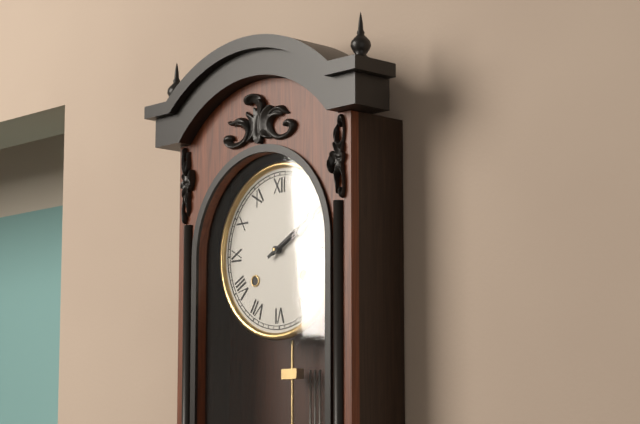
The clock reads 2:10
